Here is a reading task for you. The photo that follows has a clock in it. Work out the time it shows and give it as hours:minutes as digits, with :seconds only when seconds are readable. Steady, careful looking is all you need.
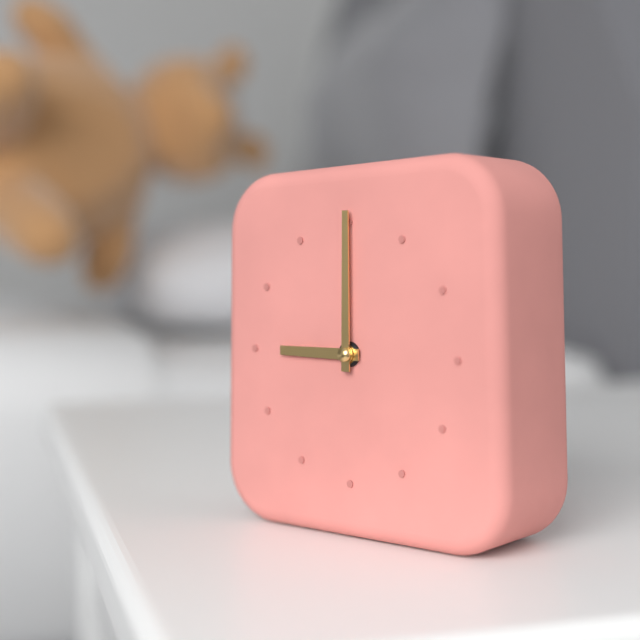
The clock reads 9:00
